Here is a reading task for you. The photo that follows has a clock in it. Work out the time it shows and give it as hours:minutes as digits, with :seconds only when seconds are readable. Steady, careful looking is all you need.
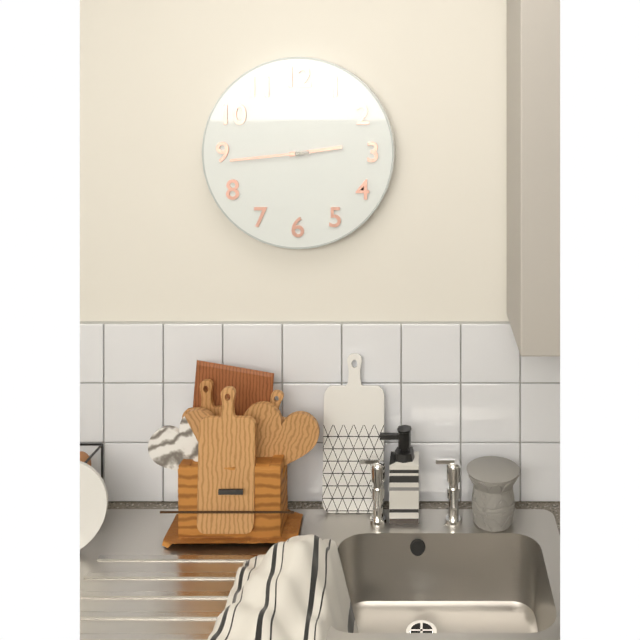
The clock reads 2:44
